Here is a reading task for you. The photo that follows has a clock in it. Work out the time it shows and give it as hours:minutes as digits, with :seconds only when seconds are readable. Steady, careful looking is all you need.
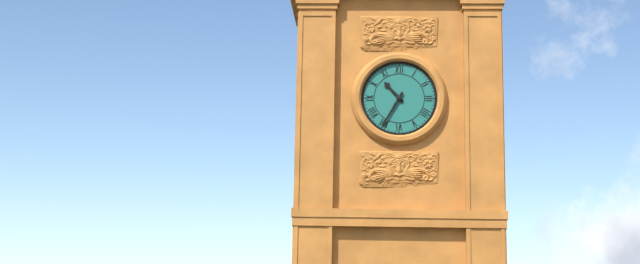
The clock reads 10:35
